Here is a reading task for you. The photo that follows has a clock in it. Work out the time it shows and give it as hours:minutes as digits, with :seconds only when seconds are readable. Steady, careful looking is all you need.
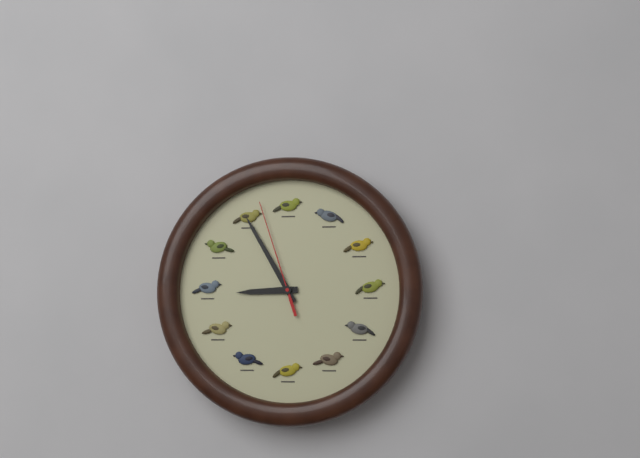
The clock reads 8:55:57
